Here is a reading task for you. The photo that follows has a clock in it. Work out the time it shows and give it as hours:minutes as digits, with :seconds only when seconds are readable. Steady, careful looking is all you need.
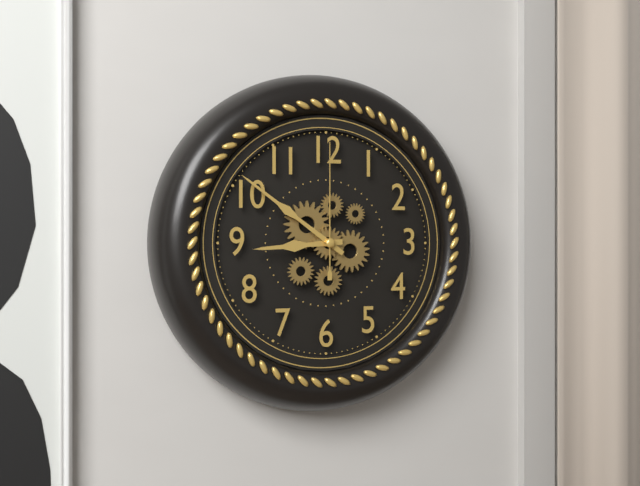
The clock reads 8:51:00
